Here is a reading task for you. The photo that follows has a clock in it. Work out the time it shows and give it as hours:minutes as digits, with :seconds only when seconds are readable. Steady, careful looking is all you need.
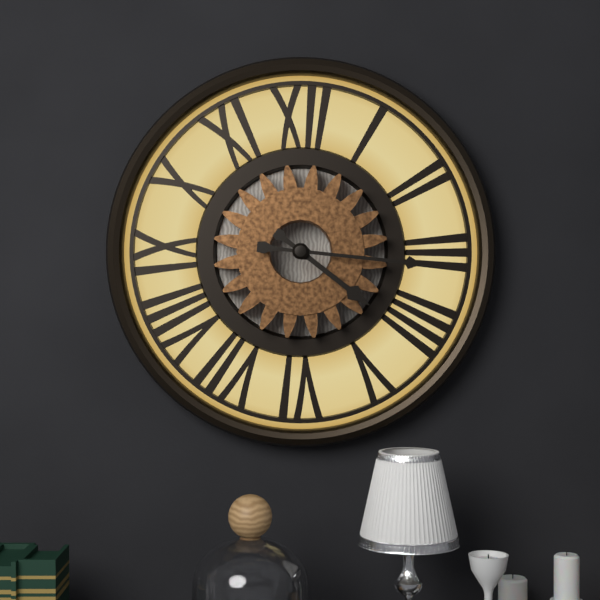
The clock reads 4:16
